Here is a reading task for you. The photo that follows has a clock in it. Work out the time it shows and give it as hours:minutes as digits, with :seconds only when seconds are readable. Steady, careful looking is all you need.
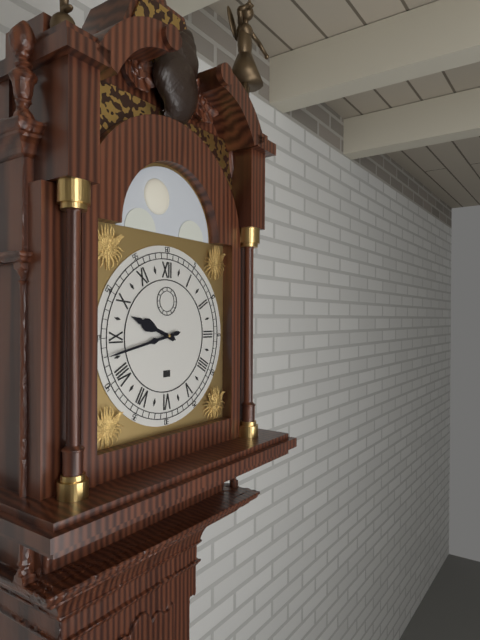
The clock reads 9:43
